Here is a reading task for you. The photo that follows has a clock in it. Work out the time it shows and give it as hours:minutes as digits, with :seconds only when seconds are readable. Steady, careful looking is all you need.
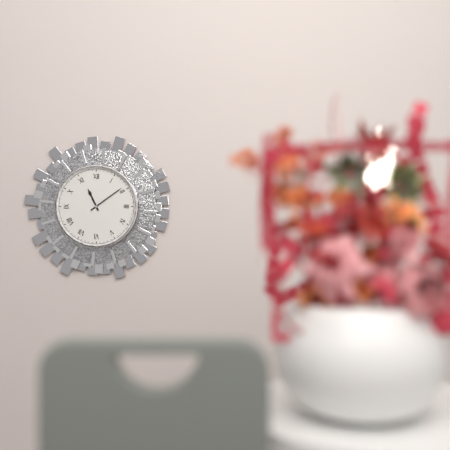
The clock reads 11:09
